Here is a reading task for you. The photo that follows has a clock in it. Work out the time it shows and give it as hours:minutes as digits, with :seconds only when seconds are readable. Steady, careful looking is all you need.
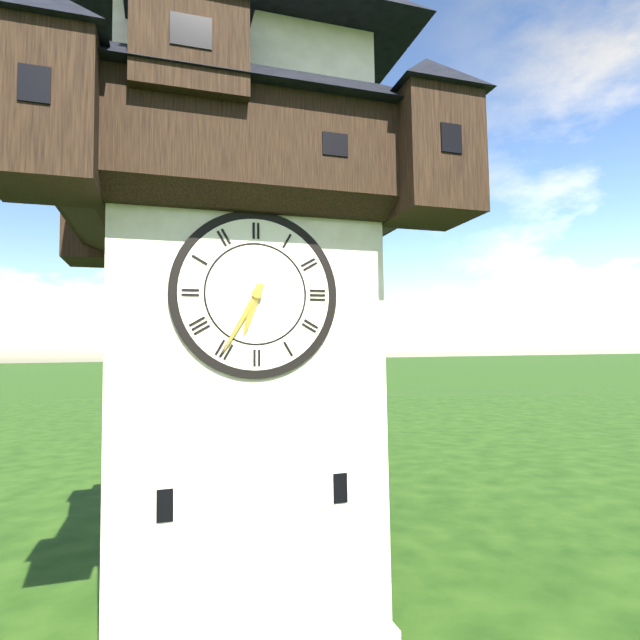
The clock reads 6:35
